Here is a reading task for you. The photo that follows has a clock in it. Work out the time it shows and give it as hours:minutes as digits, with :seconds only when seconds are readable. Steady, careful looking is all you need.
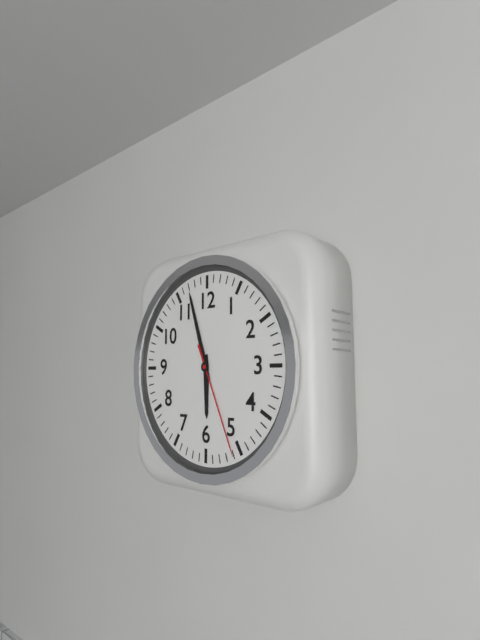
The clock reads 5:57:26
